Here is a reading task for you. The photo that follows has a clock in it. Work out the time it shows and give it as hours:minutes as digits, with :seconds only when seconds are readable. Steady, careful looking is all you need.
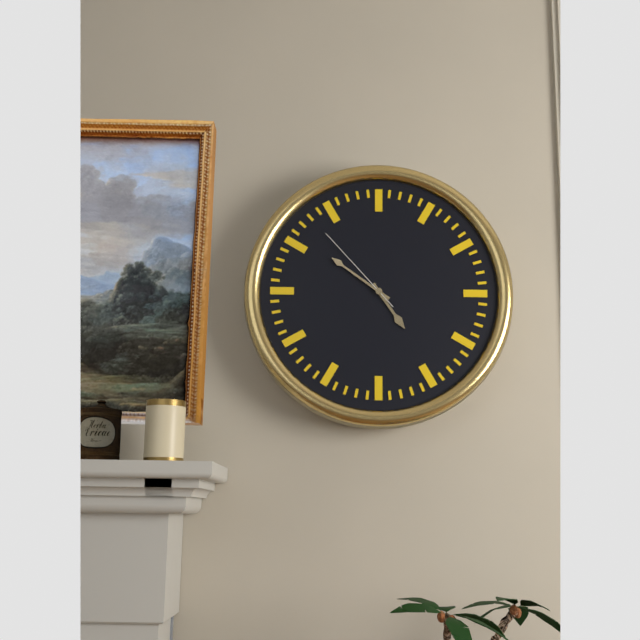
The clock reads 4:51:53
